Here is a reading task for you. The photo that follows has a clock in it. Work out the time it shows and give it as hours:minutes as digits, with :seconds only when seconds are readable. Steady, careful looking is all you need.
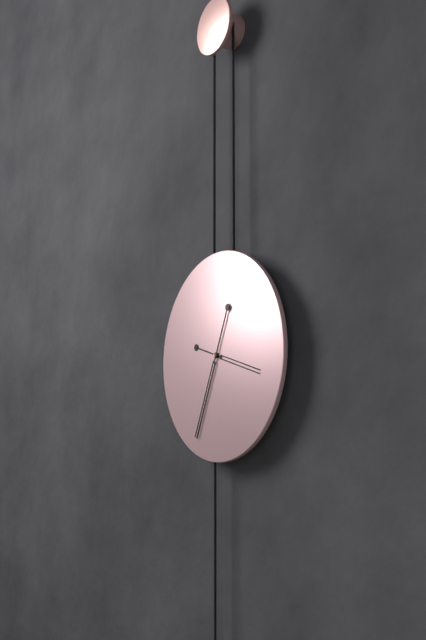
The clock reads 3:34
